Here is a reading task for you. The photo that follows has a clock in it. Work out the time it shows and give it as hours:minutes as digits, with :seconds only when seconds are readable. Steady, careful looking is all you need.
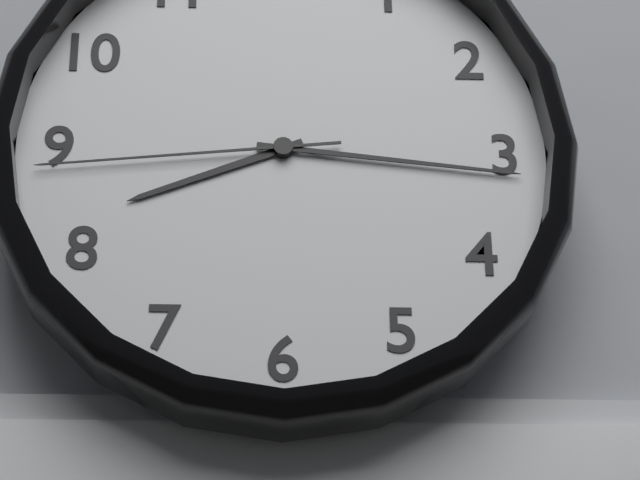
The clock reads 8:16:44
